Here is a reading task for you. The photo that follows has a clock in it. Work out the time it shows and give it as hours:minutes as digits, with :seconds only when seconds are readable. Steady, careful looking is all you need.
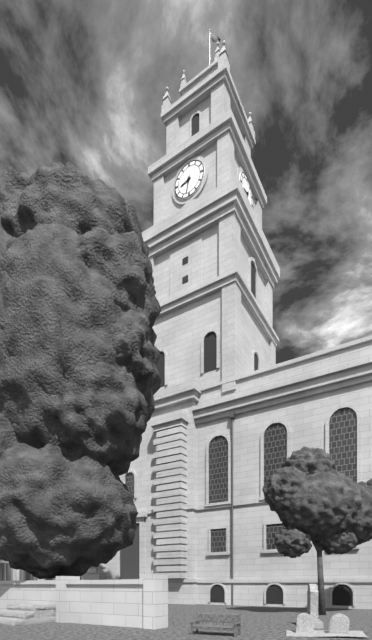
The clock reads 8:32
